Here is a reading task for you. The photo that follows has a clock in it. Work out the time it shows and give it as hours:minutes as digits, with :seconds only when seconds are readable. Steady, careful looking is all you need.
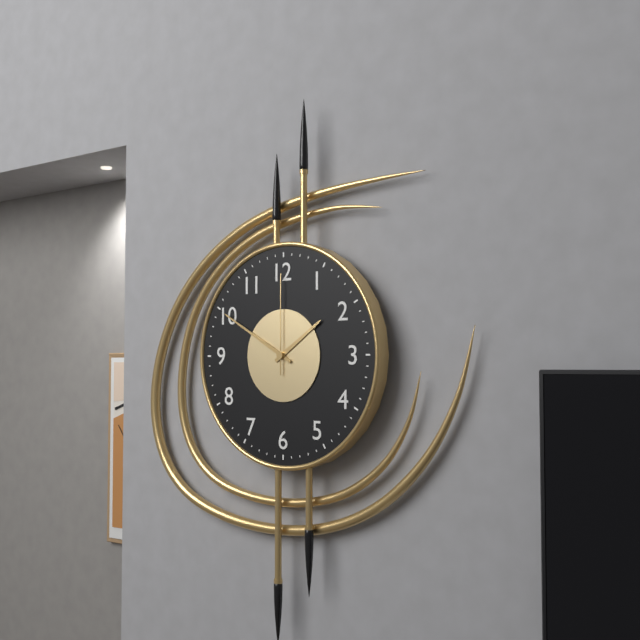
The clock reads 1:50:00
